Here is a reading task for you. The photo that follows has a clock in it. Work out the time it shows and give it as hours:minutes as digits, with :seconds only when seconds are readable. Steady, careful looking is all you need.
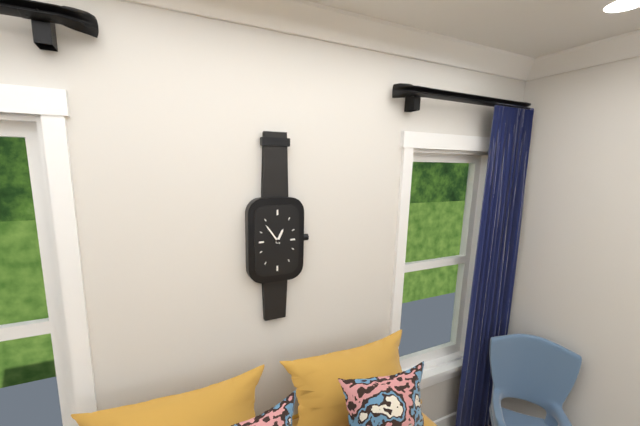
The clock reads 12:54
